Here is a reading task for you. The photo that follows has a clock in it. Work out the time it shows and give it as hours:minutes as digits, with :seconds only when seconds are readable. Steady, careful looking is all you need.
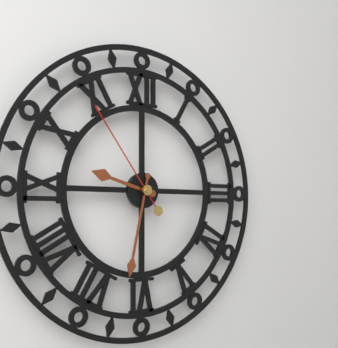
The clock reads 9:32:54
